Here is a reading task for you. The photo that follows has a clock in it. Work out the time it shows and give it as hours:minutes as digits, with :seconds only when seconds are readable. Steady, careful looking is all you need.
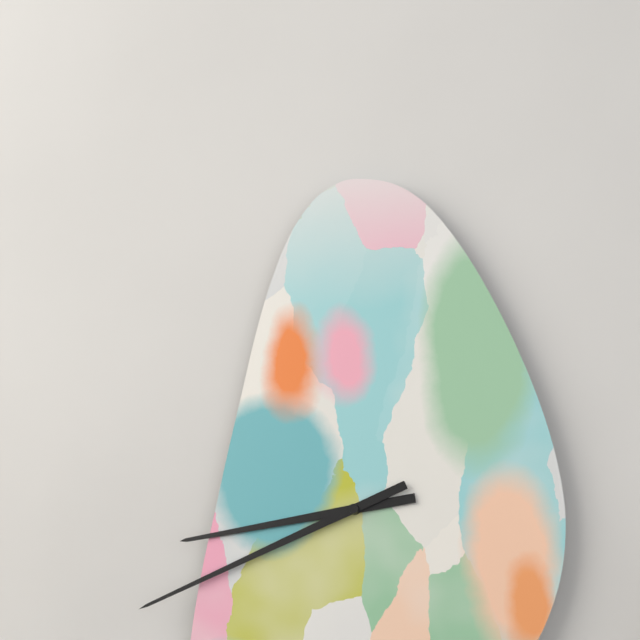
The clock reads 8:41
